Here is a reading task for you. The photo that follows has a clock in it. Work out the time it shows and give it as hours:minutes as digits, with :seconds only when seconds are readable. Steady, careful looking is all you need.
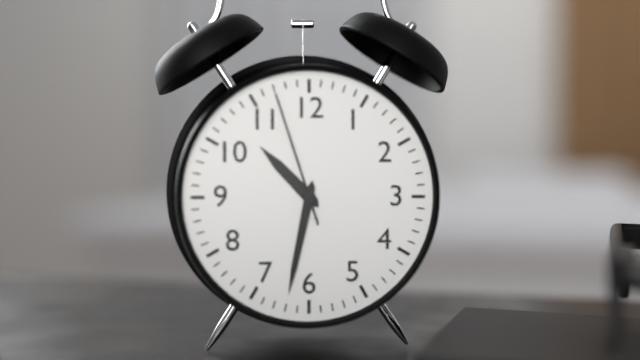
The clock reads 10:32:57
